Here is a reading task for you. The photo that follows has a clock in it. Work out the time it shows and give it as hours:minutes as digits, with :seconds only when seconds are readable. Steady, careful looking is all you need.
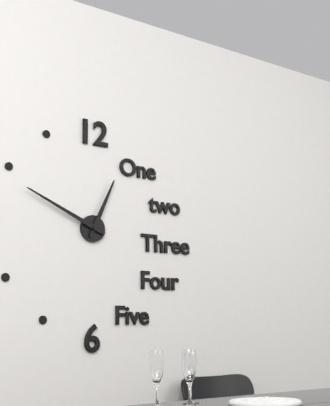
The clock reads 12:49
